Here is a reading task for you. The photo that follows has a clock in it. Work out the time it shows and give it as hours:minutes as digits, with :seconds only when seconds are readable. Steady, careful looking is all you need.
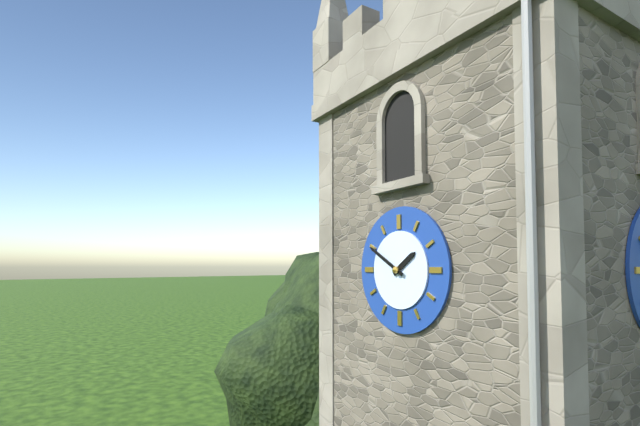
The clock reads 1:50
